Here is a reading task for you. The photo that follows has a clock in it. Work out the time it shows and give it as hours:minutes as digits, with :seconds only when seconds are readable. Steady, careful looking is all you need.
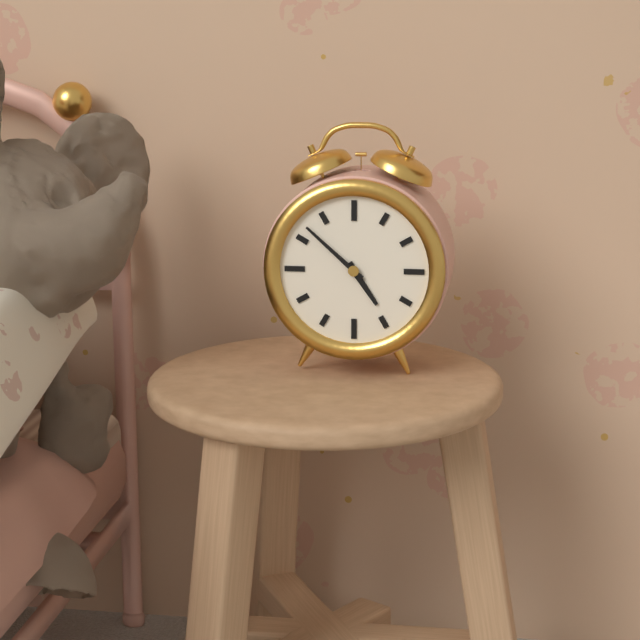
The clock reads 4:52
